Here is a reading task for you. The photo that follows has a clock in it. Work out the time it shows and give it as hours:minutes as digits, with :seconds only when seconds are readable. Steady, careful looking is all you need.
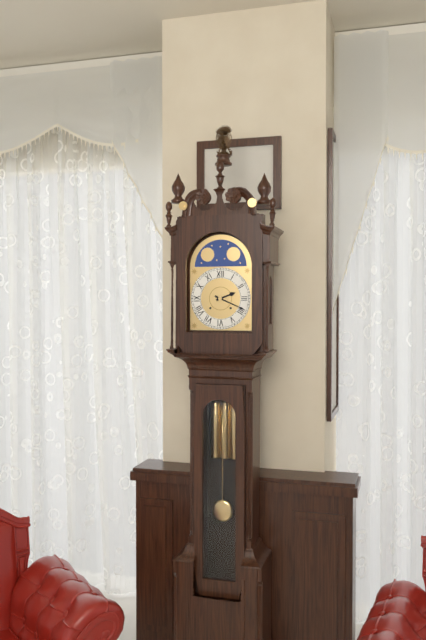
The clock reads 2:19
